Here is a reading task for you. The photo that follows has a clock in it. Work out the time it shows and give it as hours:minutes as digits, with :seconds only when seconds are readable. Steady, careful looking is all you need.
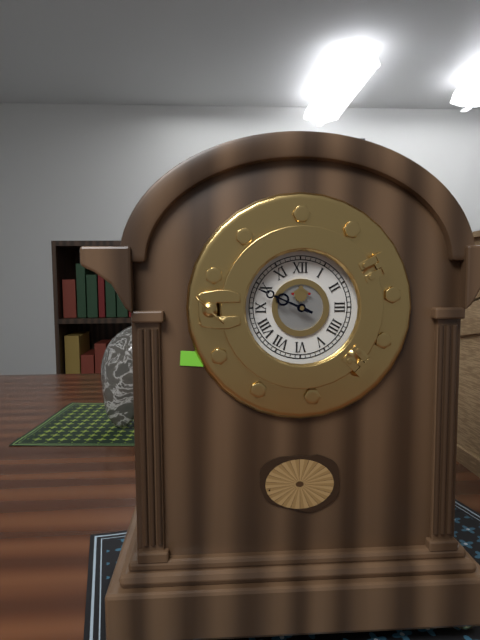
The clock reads 9:49
